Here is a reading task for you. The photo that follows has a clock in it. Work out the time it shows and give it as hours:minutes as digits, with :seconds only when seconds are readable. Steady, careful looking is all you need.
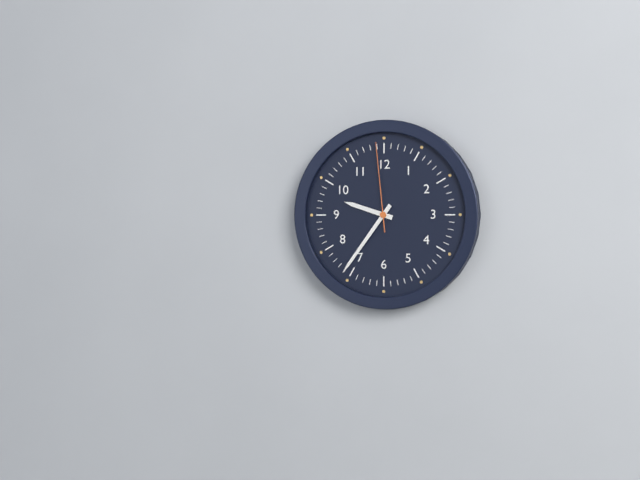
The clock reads 9:36:59
